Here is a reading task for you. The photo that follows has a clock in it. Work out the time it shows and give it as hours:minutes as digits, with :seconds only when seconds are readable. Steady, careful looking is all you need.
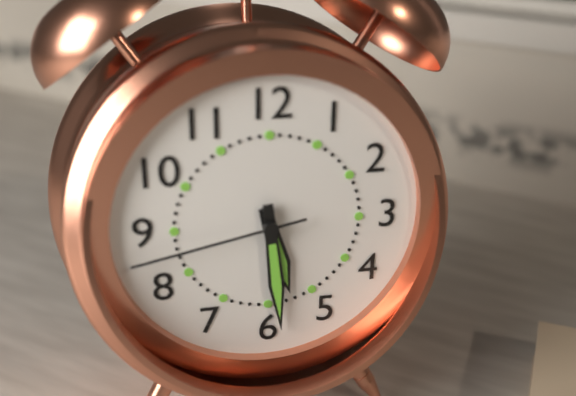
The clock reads 5:29:43
